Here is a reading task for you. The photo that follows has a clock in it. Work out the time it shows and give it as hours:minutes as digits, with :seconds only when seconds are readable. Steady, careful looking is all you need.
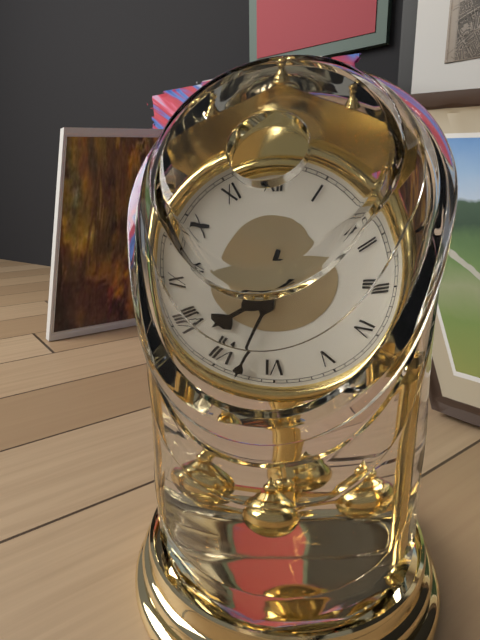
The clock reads 7:33
